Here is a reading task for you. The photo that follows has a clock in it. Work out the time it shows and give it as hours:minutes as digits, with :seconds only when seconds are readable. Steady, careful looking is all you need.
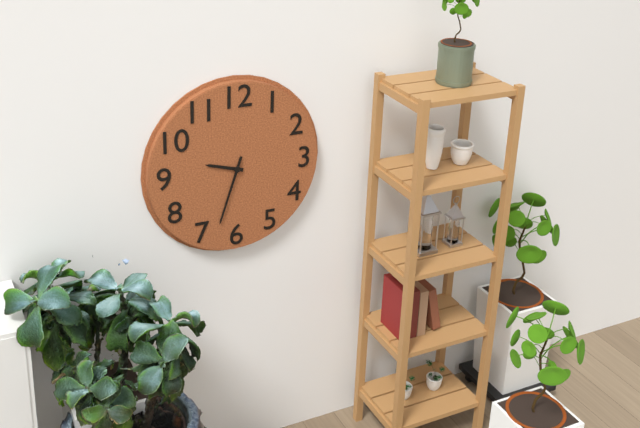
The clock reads 9:33
